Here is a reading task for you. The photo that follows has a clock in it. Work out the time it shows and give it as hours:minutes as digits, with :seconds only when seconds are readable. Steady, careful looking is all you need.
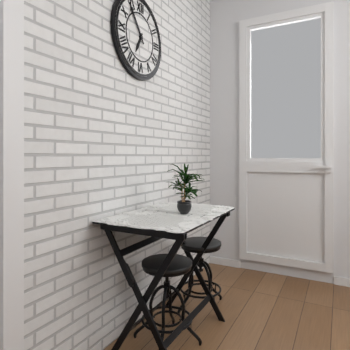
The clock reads 6:54
